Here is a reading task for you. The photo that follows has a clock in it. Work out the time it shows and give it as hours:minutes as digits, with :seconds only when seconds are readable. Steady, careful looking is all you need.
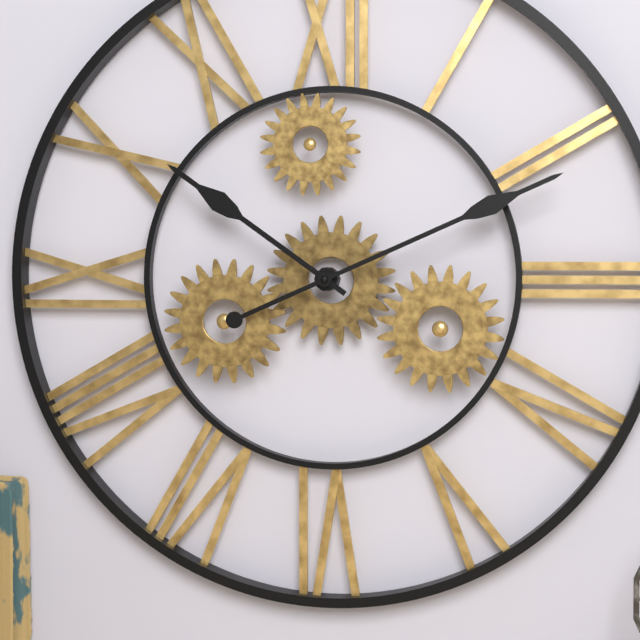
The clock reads 10:11
